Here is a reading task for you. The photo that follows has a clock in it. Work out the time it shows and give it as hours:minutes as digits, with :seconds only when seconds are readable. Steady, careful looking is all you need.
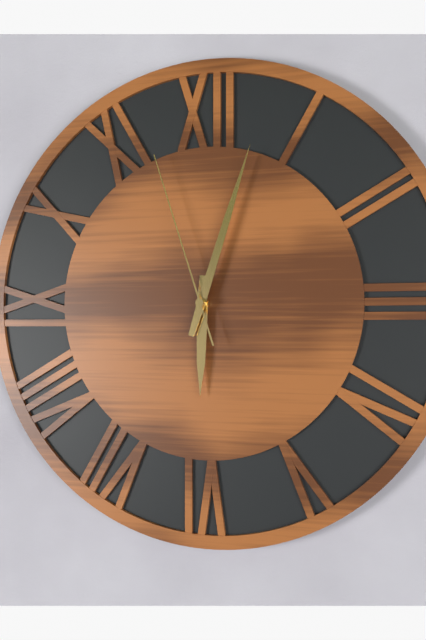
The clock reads 6:03:57
